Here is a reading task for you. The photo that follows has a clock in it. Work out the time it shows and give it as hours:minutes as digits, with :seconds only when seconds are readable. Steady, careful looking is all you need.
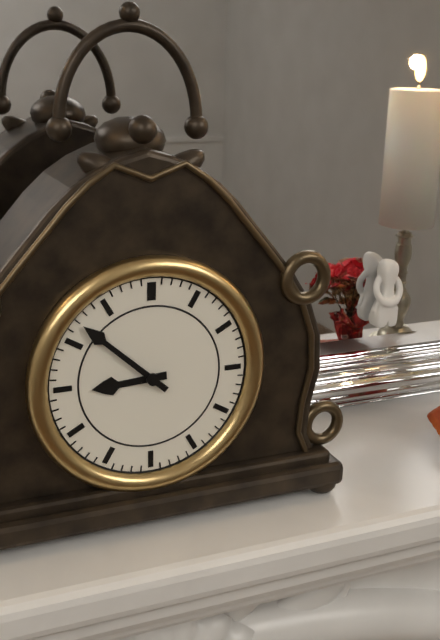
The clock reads 8:52
